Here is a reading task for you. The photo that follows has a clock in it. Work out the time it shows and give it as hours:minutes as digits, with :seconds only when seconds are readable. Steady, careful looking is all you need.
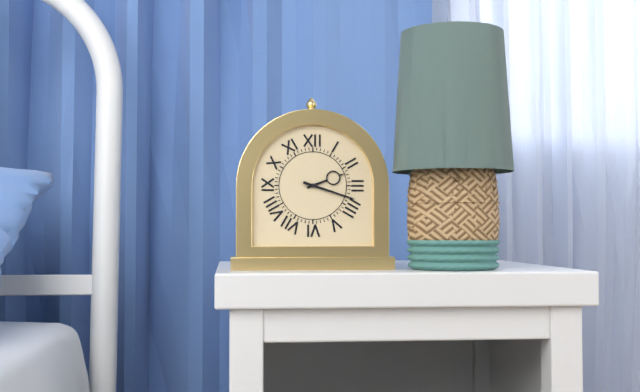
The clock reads 2:18
